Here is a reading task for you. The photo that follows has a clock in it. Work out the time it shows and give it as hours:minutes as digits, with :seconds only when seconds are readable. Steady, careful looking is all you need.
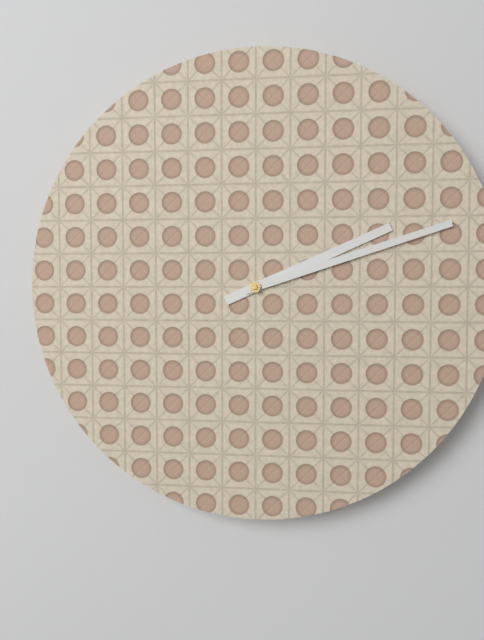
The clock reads 2:12
